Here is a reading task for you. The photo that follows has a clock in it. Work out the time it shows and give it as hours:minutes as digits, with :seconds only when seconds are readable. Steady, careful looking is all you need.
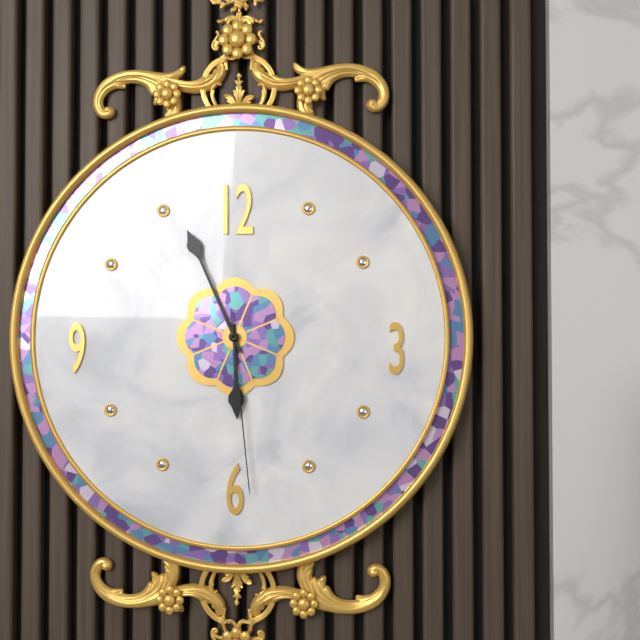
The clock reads 5:56:29
